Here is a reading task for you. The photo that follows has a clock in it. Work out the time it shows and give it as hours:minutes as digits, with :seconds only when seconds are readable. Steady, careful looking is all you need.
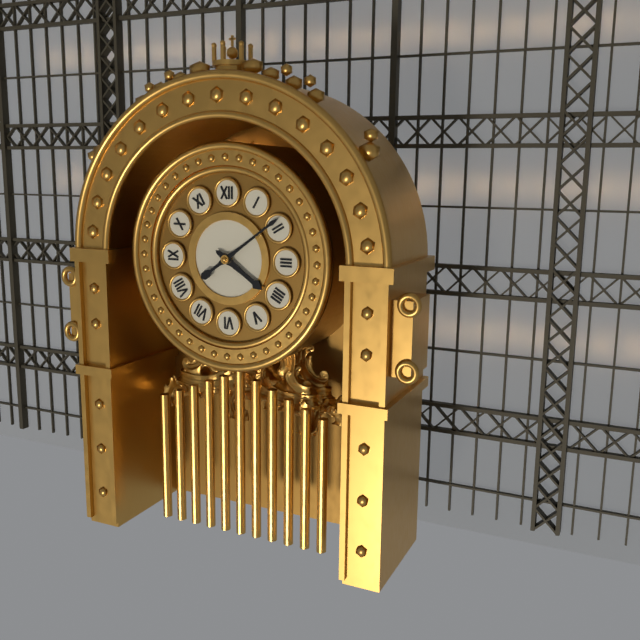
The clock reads 4:09
